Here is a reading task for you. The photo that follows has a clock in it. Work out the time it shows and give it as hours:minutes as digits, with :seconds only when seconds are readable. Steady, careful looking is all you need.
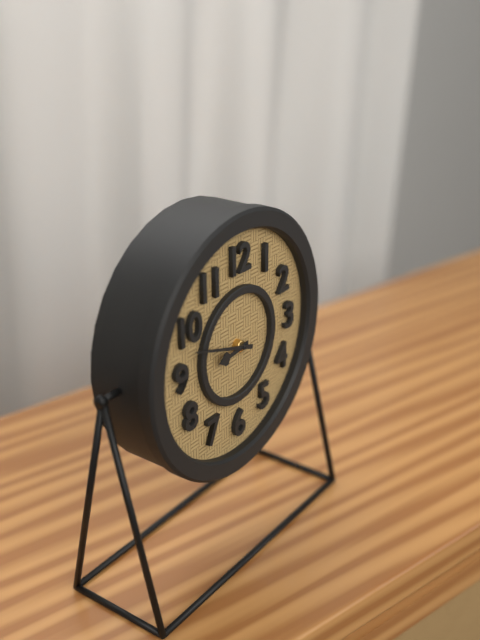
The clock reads 8:48
